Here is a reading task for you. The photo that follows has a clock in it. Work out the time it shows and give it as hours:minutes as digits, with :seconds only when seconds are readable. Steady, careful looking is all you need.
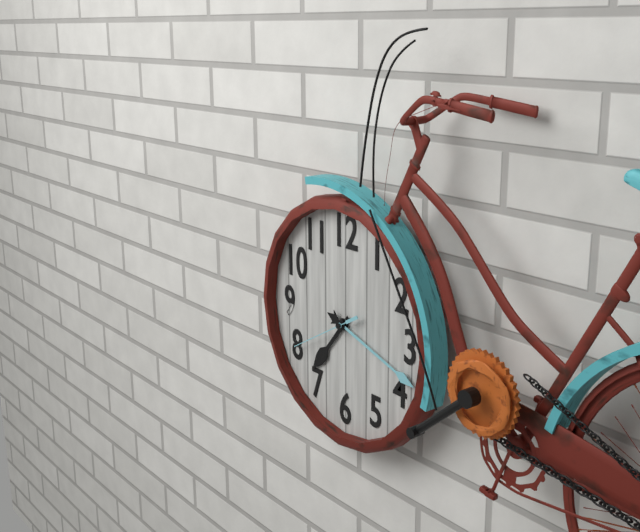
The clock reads 7:18:40
